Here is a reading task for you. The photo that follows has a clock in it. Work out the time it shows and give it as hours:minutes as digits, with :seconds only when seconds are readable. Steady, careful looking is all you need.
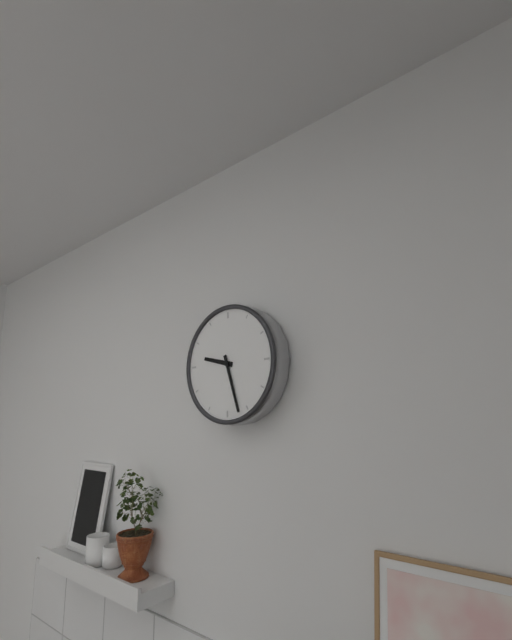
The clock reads 9:27
